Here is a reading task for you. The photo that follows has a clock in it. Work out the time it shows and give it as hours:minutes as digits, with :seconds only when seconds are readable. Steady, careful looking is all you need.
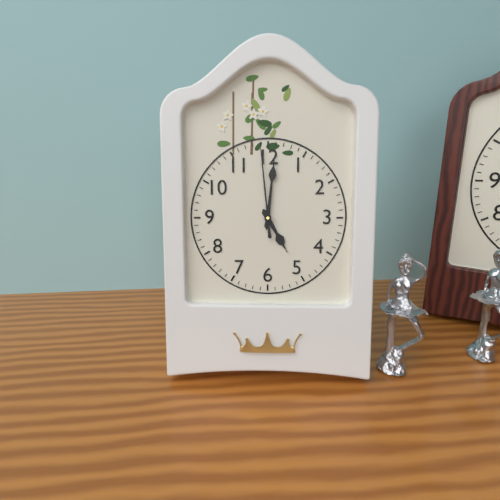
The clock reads 5:01:59
